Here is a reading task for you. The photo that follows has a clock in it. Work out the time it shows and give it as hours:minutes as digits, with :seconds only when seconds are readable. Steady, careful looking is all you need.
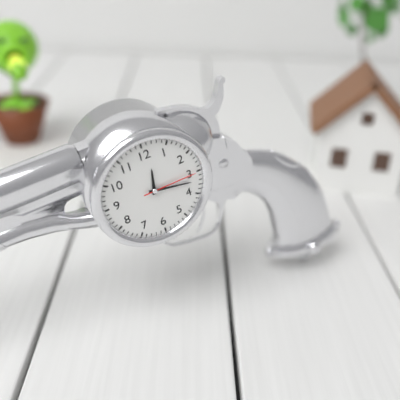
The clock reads 12:17:15
